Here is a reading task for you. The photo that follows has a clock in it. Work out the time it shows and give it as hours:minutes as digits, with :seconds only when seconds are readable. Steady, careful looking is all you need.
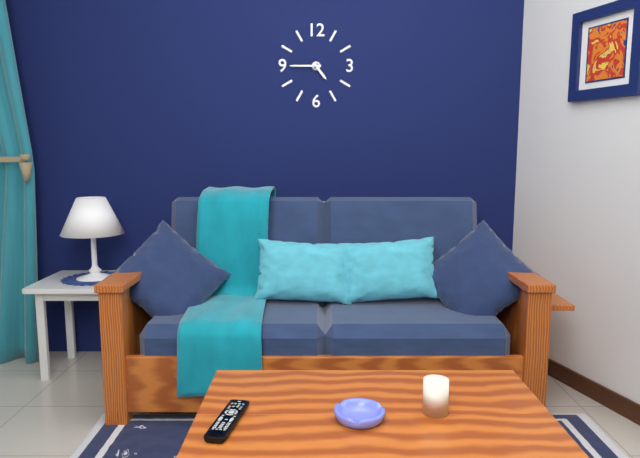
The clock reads 4:45
